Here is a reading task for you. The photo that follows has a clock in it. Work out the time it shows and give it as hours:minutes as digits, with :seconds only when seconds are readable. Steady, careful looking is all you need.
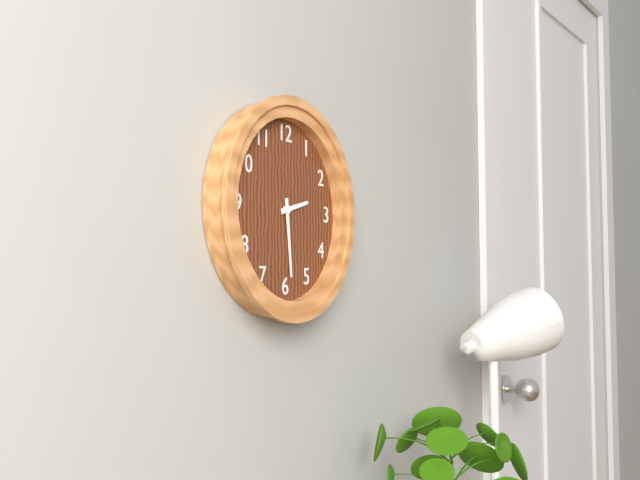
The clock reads 2:29
